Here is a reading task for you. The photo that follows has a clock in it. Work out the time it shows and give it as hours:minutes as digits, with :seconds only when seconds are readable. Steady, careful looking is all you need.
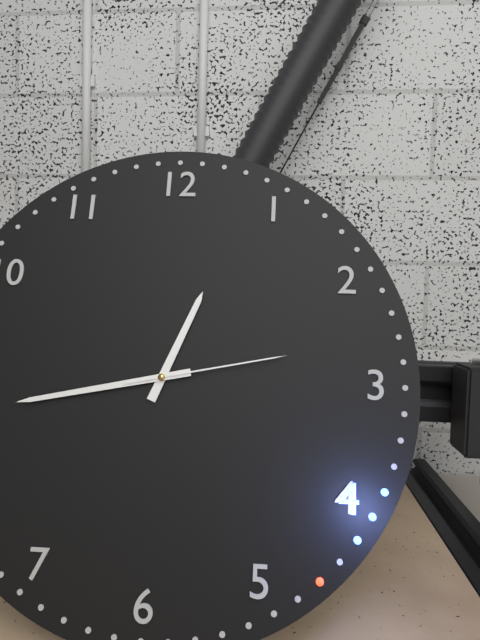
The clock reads 12:43:13
